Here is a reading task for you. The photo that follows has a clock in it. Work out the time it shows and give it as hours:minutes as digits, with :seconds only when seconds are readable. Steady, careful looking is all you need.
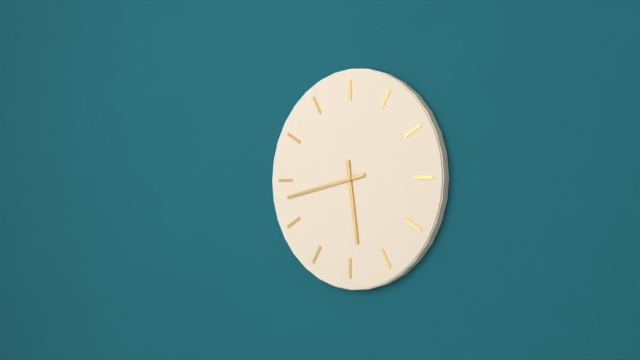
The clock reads 5:43
